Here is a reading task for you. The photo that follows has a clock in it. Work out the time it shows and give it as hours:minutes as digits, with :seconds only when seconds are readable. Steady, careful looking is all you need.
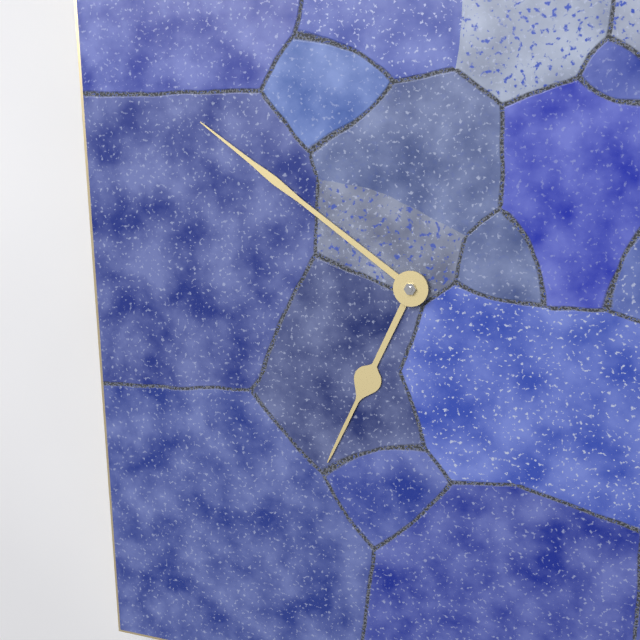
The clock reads 6:51
